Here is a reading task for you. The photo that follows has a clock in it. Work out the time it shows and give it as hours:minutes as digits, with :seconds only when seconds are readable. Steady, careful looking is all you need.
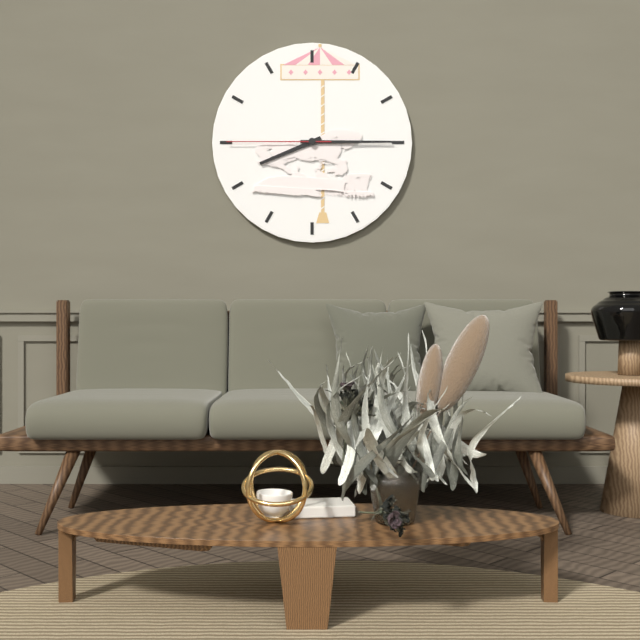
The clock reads 8:15:45
